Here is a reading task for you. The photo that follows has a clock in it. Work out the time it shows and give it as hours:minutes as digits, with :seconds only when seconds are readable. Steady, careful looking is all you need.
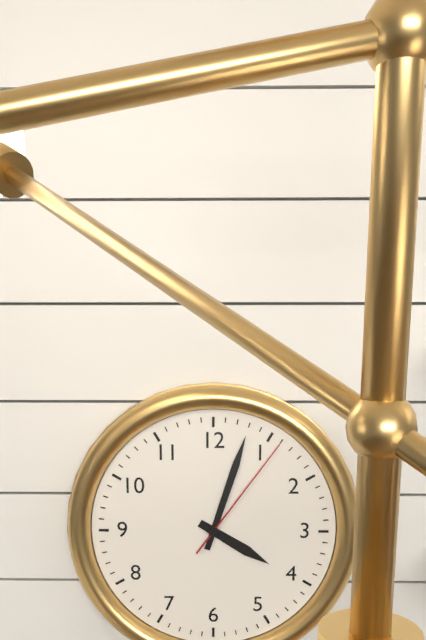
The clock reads 4:03:06
